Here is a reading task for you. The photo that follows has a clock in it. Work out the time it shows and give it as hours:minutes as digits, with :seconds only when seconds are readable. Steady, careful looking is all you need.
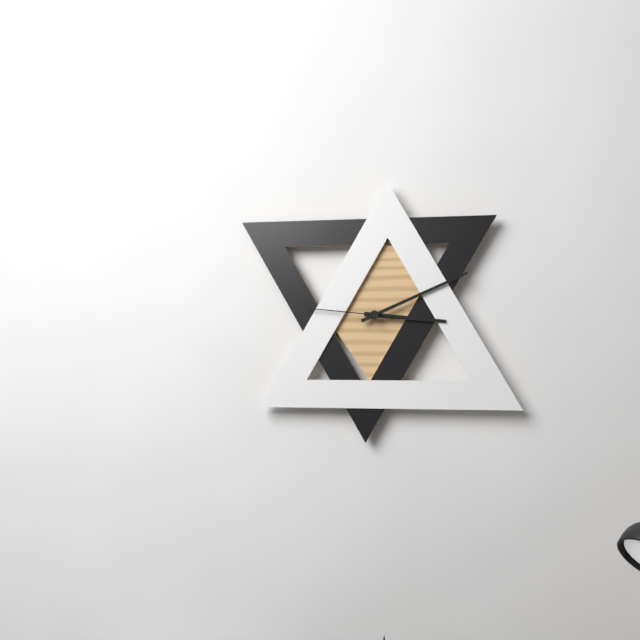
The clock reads 3:11:46
